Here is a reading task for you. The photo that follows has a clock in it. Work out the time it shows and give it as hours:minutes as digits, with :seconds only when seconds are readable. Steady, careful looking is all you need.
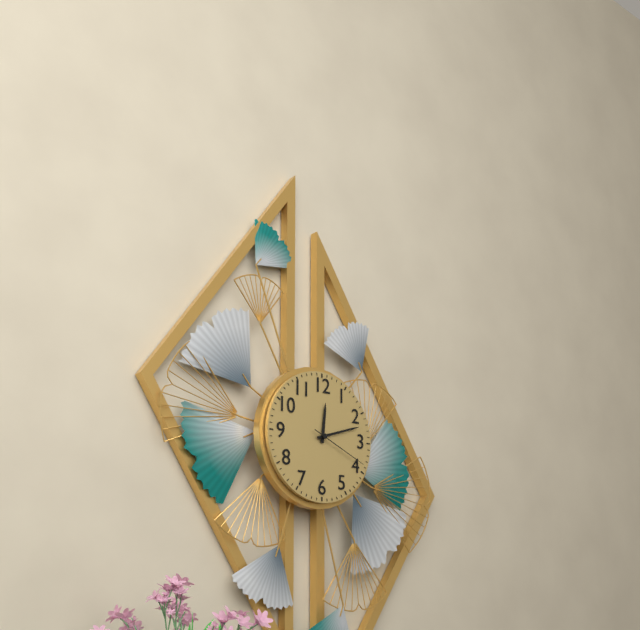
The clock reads 12:12:19
